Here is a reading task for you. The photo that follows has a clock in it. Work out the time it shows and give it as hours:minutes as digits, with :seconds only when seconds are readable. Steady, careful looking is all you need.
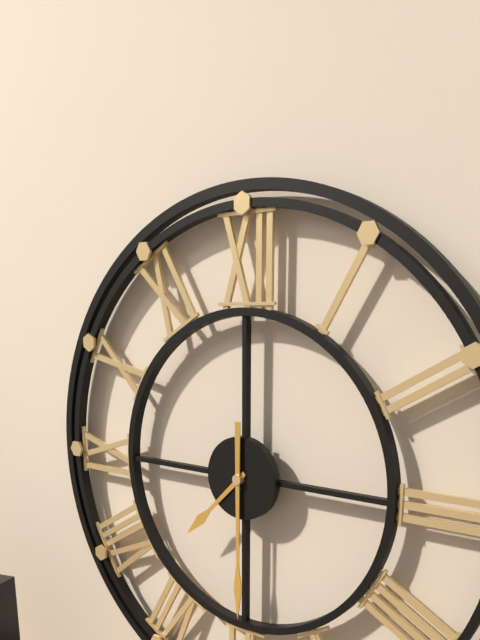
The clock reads 7:30
